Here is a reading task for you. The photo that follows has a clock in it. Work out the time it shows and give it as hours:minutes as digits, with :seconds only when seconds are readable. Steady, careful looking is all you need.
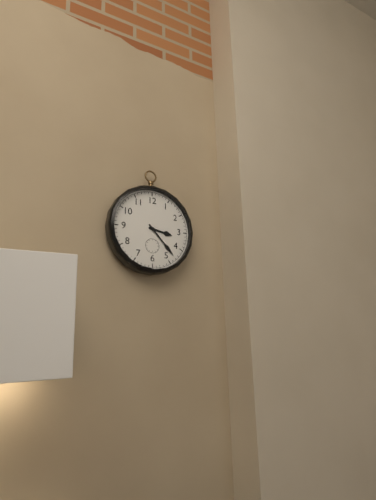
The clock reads 3:23
